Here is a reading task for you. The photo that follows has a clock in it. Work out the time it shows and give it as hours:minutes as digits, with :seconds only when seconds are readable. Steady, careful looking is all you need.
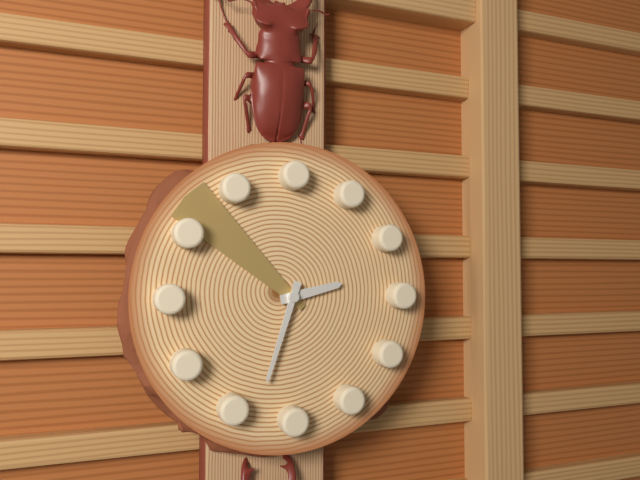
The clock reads 2:33:52
